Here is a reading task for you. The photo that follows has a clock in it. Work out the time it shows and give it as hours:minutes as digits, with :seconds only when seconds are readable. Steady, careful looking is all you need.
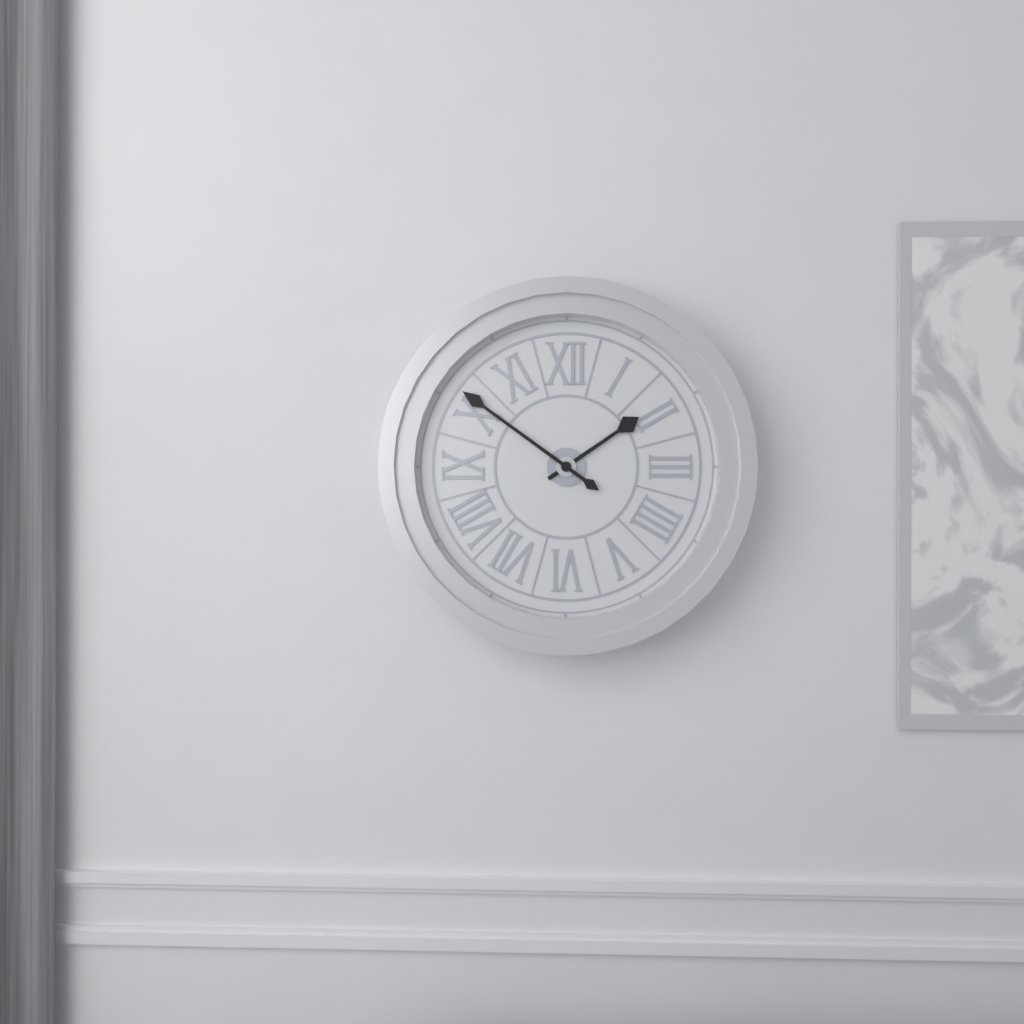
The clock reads 1:51
